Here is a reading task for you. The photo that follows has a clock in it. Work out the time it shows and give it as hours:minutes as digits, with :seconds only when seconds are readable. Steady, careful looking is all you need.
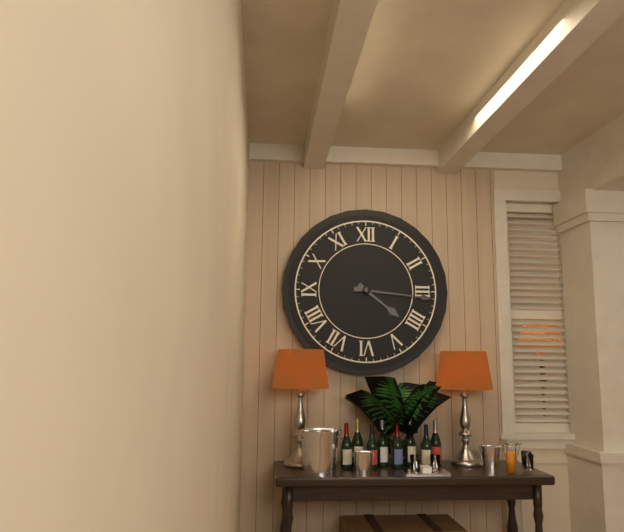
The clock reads 4:16
